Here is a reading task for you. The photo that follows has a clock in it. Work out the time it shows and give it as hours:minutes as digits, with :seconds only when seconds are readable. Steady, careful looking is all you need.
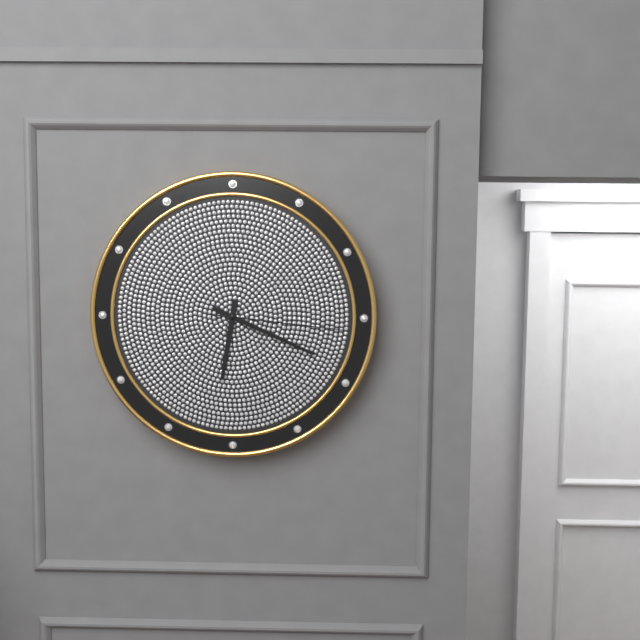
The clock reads 6:19:16
